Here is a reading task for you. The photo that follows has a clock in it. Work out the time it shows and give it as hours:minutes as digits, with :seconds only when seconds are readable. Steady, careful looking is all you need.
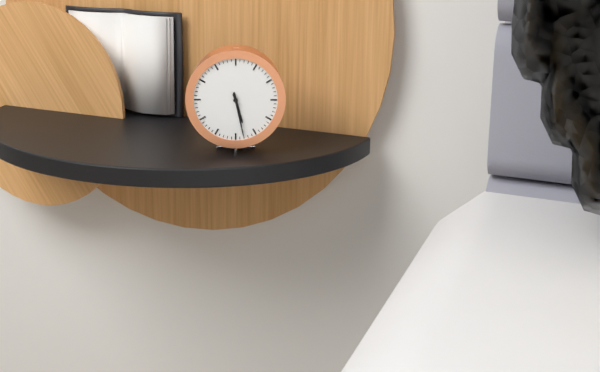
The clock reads 5:28
